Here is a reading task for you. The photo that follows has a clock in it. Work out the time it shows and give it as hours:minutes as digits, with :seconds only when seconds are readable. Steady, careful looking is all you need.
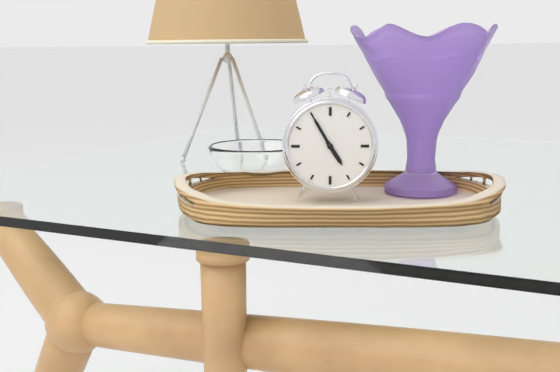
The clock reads 4:55
